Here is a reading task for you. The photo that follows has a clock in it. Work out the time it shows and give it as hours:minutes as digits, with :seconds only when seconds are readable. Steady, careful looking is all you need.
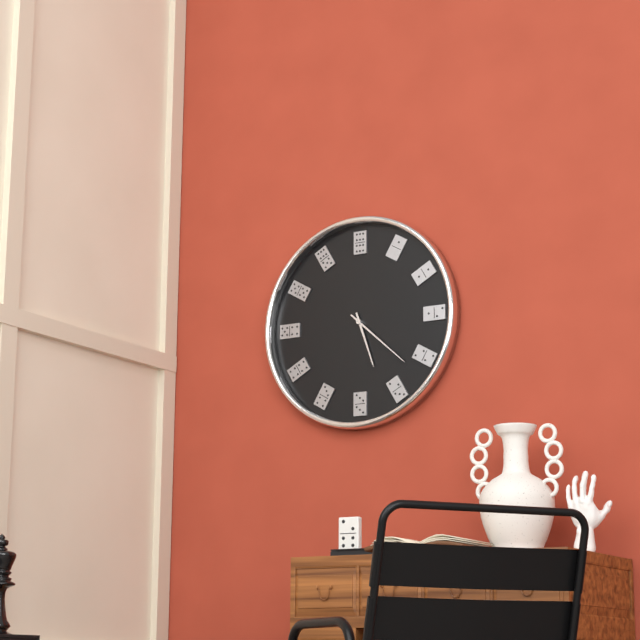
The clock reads 5:22
